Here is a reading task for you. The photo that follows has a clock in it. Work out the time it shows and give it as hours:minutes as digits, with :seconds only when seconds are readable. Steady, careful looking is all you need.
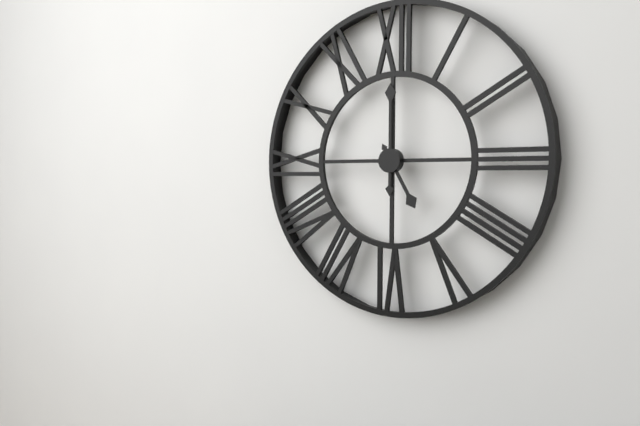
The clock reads 5:00
